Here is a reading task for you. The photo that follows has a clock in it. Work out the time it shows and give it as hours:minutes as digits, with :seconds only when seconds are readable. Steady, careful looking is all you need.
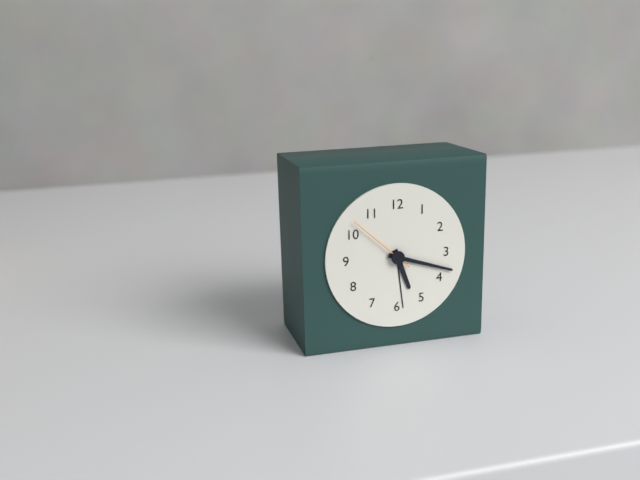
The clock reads 5:18:52
